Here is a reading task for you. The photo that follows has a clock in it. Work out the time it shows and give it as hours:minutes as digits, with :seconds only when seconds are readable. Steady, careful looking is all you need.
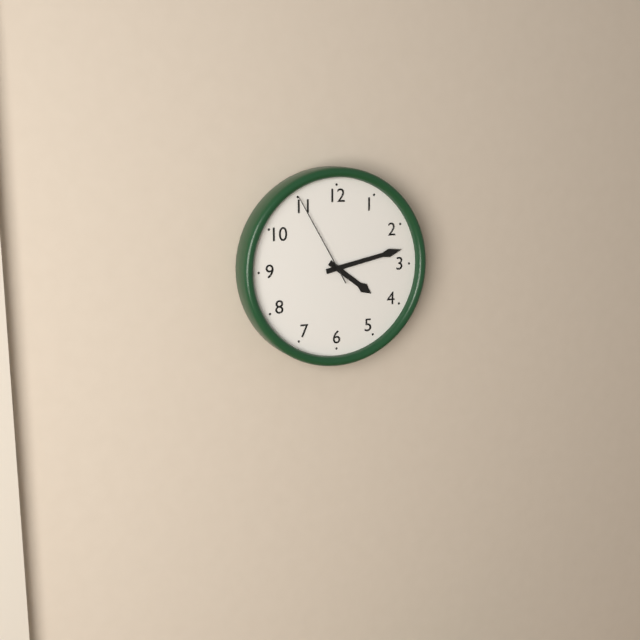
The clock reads 4:13:55
